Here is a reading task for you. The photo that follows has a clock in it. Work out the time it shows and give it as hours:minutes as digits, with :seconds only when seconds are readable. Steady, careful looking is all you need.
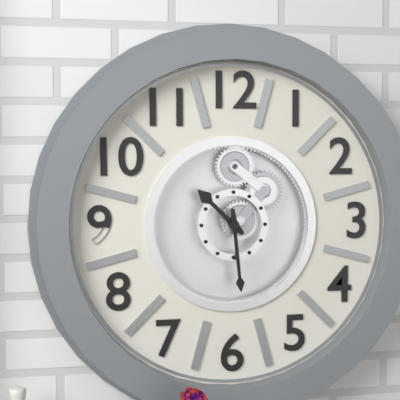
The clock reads 10:29
